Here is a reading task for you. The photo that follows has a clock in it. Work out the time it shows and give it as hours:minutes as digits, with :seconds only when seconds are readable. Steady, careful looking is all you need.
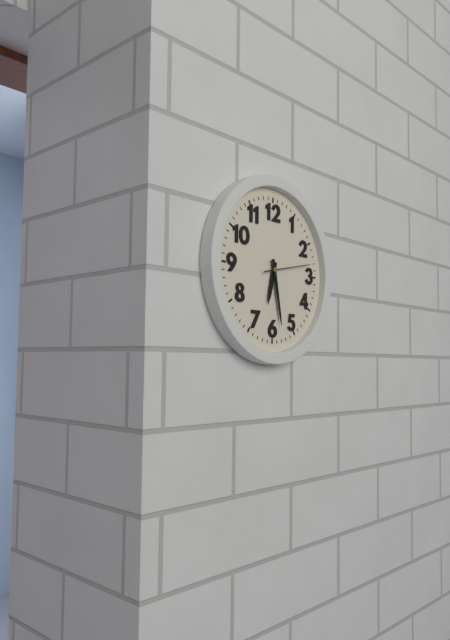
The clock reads 6:28
